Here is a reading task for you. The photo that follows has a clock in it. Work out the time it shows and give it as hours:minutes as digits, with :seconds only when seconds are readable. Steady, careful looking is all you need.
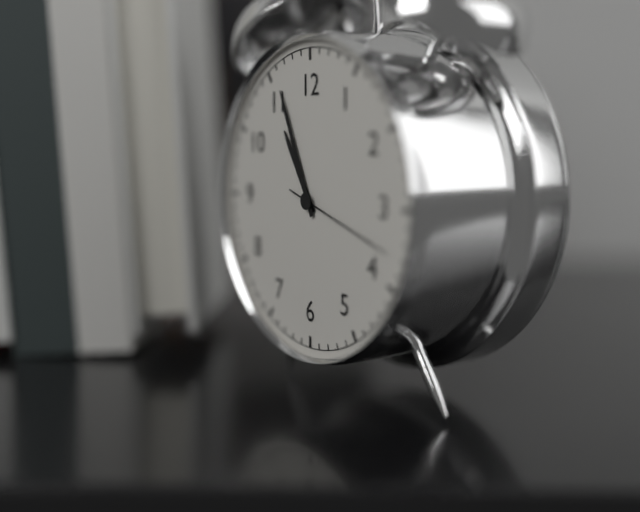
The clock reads 10:56:18
